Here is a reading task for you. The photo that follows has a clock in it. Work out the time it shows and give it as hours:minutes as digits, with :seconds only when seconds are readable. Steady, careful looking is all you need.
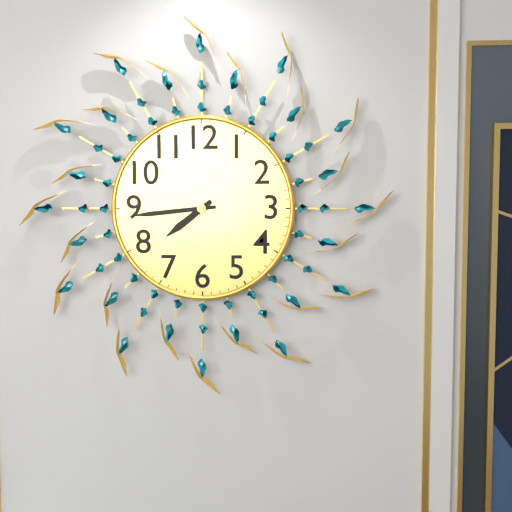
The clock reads 7:44
